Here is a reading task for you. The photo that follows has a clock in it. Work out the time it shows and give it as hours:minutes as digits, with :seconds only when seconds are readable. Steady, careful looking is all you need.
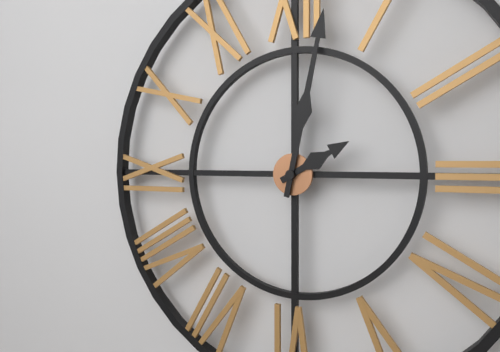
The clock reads 2:02
